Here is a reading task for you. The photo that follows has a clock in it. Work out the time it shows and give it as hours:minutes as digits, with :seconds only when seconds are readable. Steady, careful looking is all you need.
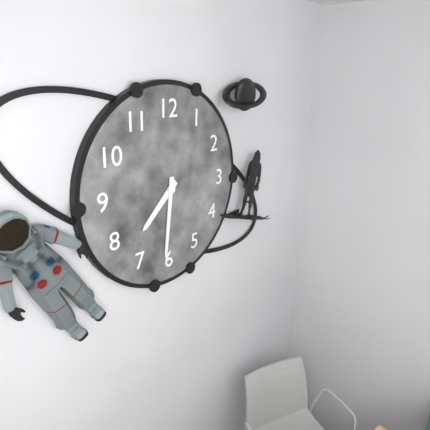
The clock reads 7:31
